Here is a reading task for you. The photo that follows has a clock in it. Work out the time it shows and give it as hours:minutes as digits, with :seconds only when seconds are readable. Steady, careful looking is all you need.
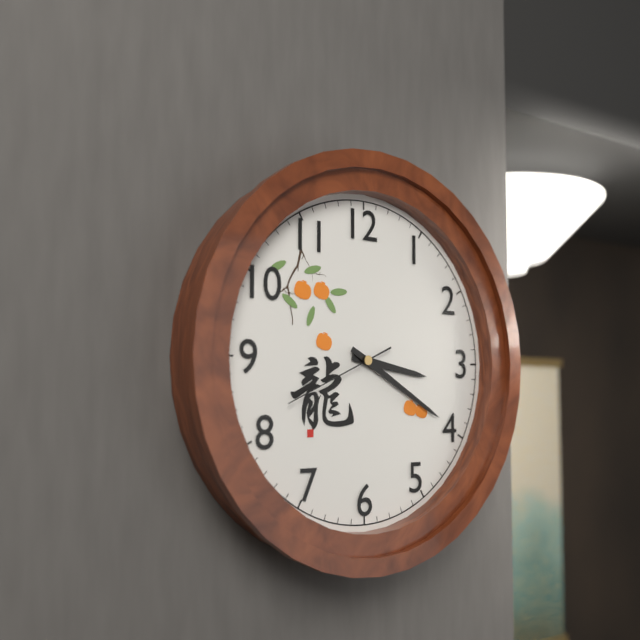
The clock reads 3:20:41
